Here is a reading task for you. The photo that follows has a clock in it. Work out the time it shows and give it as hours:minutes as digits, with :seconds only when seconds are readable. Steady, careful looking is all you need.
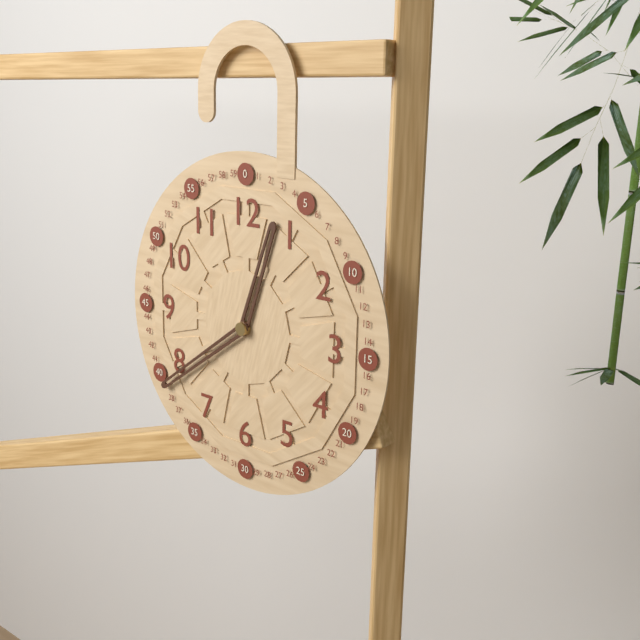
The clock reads 12:39
